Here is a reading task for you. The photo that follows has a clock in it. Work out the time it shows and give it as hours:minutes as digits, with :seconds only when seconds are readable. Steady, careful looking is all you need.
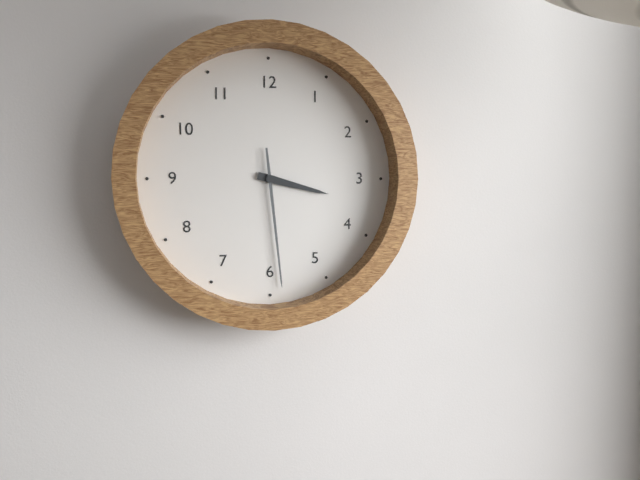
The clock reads 3:29
